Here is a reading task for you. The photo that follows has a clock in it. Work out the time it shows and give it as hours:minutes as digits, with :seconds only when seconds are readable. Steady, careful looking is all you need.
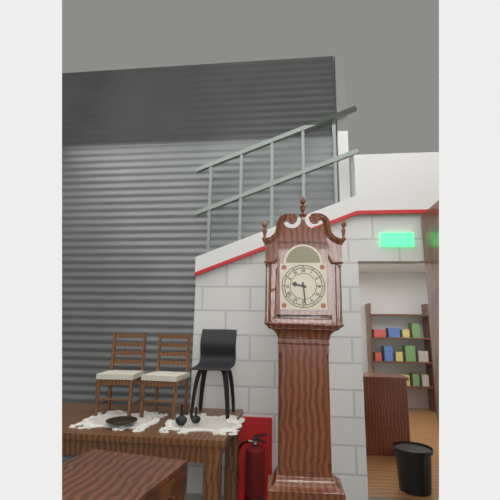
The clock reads 9:29
